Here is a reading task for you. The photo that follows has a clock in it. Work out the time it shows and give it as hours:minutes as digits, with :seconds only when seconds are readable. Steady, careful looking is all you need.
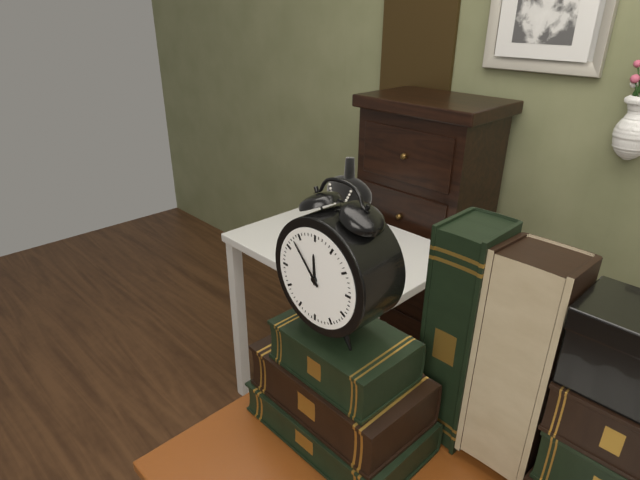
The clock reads 11:53
